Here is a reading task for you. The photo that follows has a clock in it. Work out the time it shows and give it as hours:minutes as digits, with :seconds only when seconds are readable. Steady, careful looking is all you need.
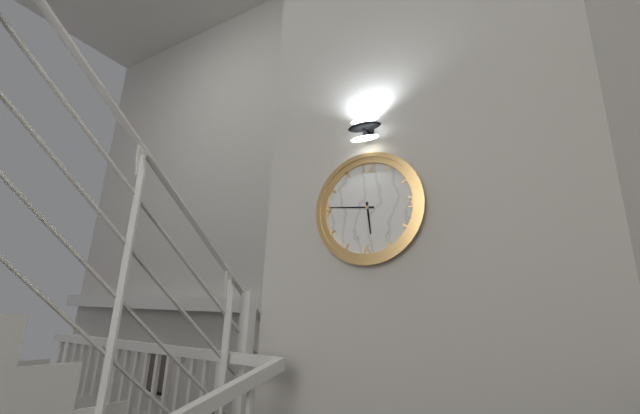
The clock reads 5:46
